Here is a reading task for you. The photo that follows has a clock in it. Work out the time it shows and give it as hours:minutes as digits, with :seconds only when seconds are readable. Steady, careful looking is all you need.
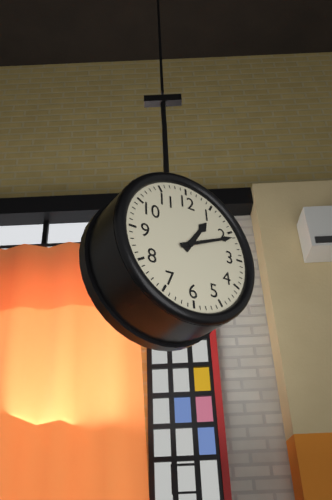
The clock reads 1:11
